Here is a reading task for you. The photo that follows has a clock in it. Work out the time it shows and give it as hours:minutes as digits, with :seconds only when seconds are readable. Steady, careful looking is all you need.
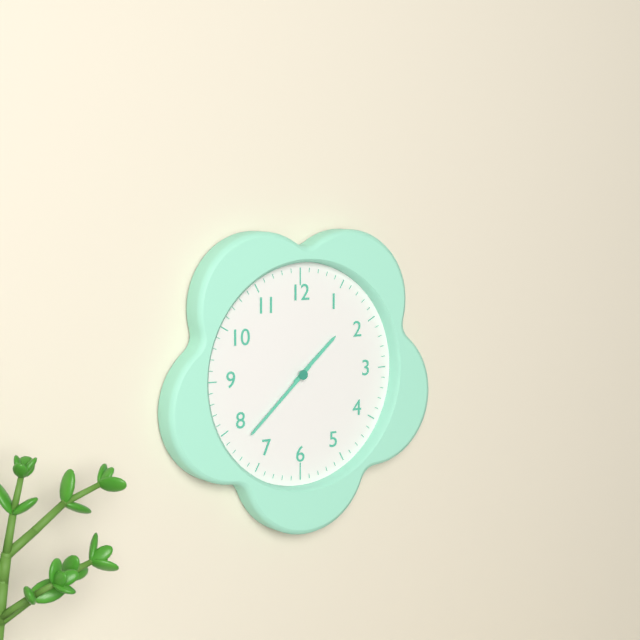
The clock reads 1:38
